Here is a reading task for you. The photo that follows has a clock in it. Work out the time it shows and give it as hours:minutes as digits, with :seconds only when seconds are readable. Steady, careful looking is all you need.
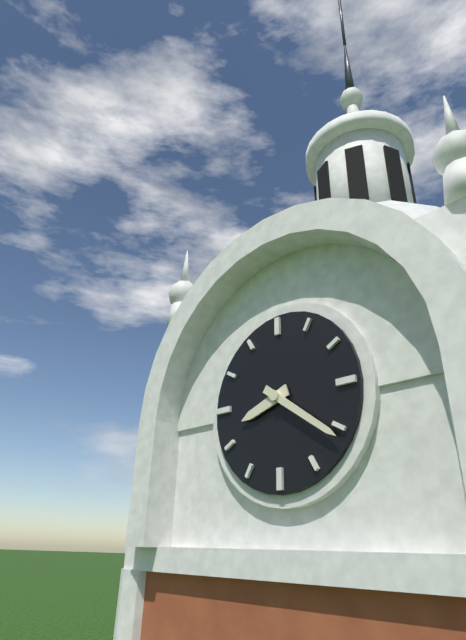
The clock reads 8:21
